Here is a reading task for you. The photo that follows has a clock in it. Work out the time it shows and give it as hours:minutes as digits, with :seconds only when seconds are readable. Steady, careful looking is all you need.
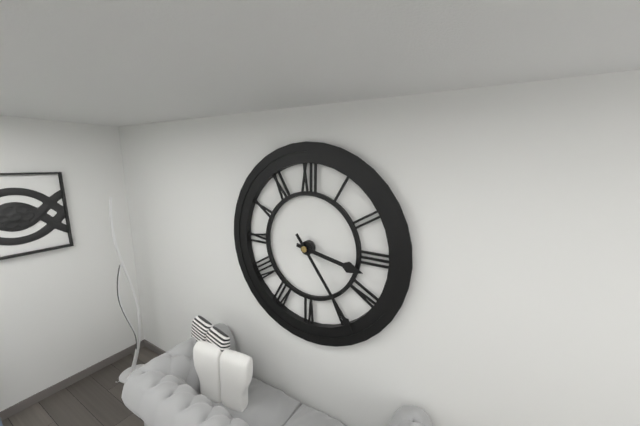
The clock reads 3:24
